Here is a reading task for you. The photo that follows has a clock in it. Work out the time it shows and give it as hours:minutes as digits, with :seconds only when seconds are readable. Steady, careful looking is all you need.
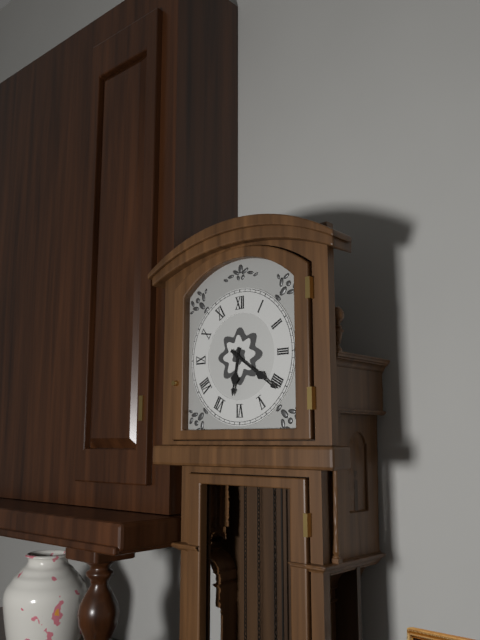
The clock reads 6:21
